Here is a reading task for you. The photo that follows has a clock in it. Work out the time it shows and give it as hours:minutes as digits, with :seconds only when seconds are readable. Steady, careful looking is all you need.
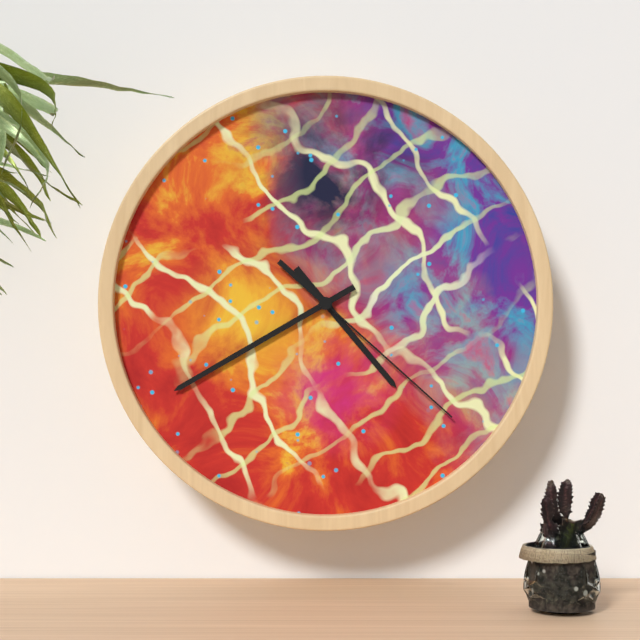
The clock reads 4:40:22
